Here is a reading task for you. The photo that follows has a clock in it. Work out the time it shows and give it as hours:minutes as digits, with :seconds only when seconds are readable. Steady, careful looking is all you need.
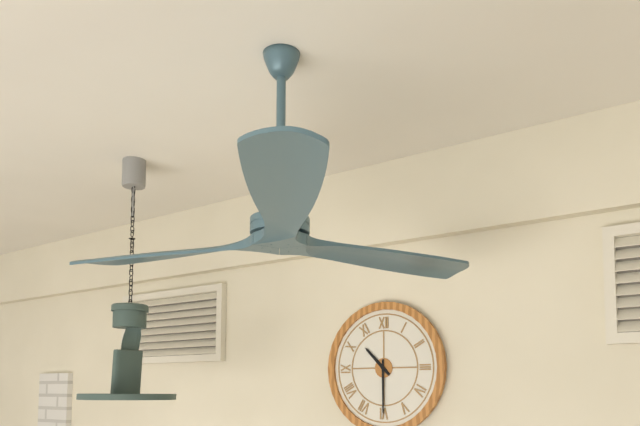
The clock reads 10:30
